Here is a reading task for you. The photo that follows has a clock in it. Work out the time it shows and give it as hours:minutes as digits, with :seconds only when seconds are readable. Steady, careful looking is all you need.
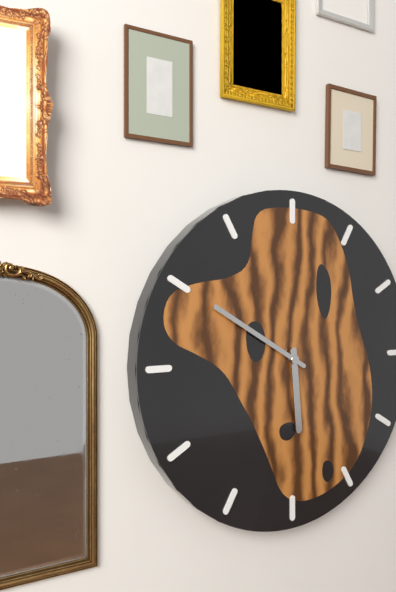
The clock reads 5:50
